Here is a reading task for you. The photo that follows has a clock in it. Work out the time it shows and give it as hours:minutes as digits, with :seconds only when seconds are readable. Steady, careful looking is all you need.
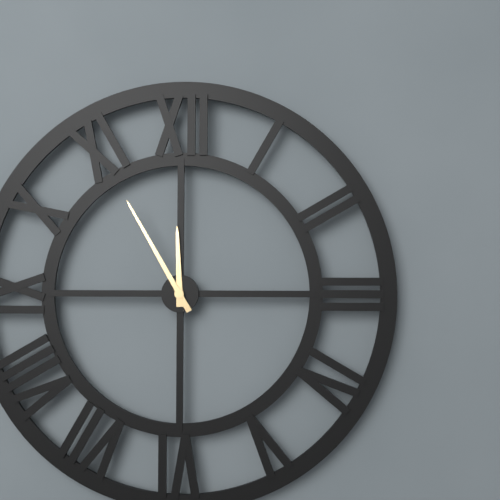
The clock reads 11:55
